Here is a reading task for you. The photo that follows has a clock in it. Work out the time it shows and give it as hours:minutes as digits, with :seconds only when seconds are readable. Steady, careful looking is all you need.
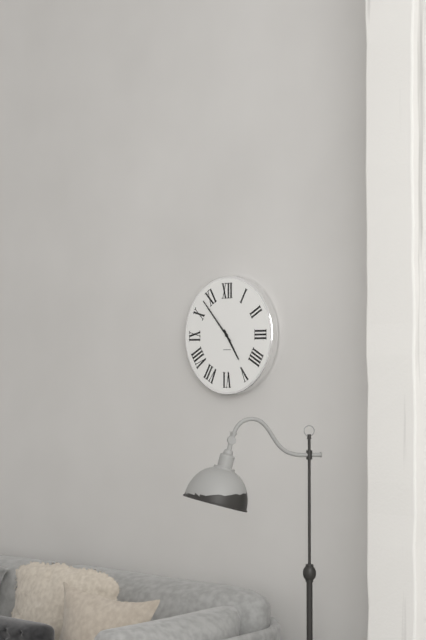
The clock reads 4:53
